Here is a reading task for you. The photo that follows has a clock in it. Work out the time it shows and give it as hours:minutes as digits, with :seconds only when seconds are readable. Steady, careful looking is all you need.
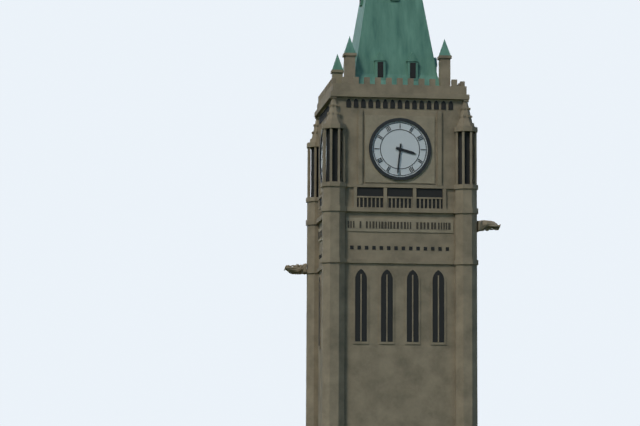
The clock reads 3:31
